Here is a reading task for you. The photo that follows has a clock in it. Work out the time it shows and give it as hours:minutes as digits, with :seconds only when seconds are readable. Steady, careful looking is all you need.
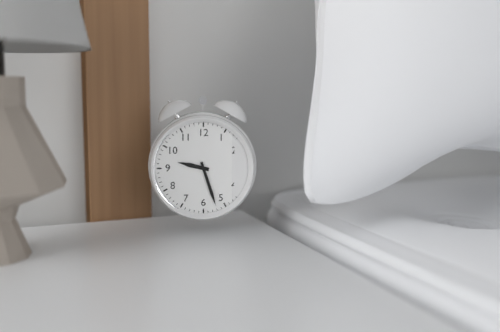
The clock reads 9:27
